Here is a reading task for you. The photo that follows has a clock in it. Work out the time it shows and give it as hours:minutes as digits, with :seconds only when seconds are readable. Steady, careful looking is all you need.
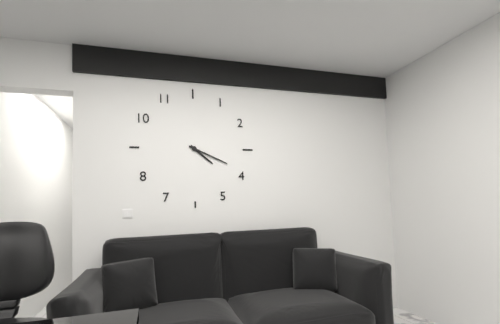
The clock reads 4:19
